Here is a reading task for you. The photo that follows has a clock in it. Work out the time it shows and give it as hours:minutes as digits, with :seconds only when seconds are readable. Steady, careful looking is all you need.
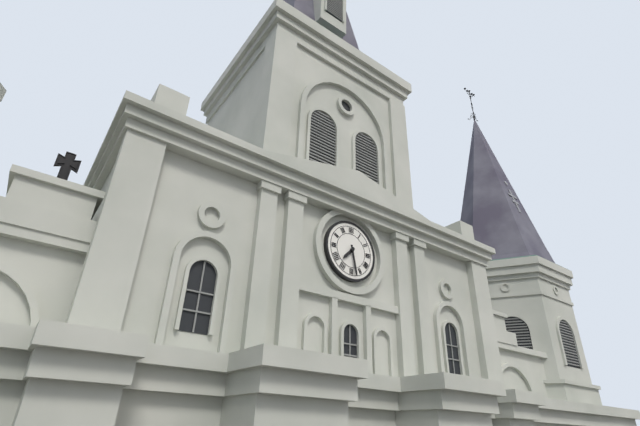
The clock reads 7:28
